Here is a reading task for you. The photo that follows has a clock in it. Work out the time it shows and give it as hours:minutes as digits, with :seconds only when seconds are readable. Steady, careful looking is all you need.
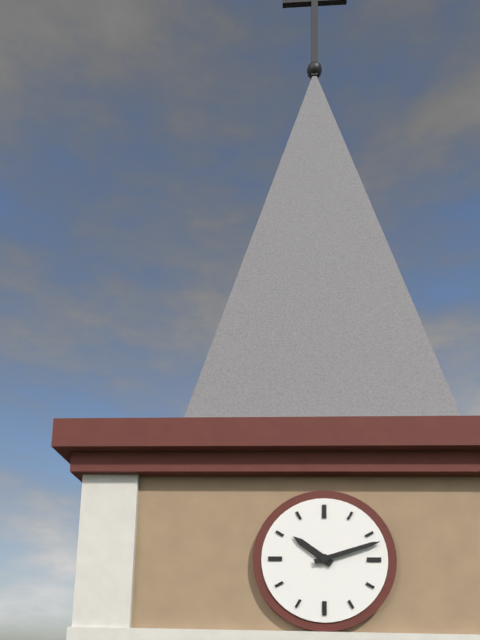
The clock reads 10:12
